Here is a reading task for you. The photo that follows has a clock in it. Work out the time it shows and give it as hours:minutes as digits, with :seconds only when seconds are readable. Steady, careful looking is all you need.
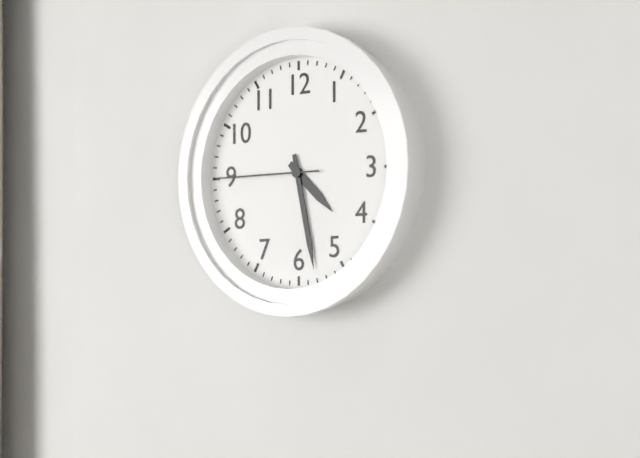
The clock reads 4:28:45
